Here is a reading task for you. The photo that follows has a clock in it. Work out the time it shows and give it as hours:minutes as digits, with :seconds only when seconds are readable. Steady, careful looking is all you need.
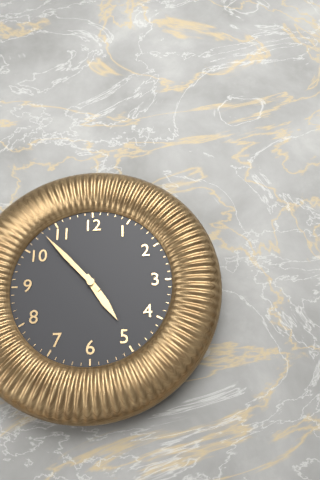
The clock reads 4:53
